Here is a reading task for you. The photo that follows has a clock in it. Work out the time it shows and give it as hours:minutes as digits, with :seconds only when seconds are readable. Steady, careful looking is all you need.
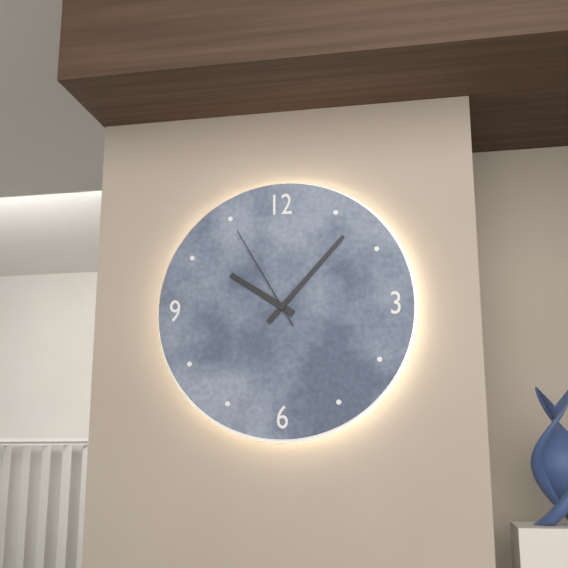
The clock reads 10:07:55
